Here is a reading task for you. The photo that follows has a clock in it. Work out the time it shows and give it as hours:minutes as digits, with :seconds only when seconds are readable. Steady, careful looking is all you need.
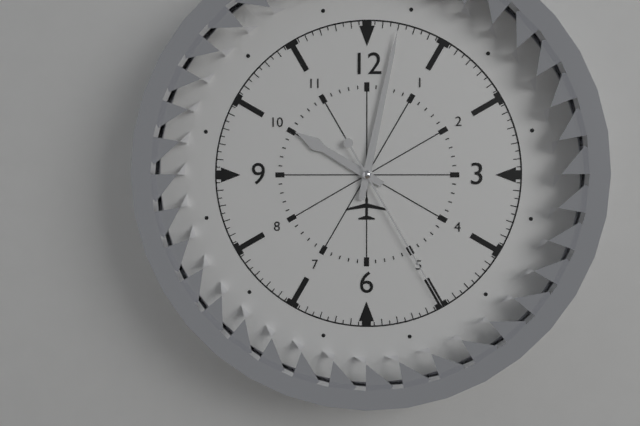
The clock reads 10:02:25
